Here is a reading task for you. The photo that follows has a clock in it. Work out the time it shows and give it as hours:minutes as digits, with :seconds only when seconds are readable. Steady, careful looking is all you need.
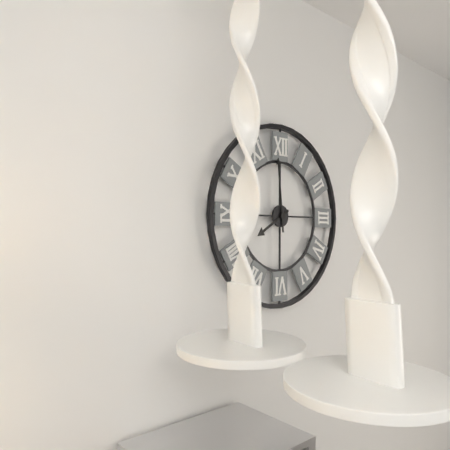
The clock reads 7:59
